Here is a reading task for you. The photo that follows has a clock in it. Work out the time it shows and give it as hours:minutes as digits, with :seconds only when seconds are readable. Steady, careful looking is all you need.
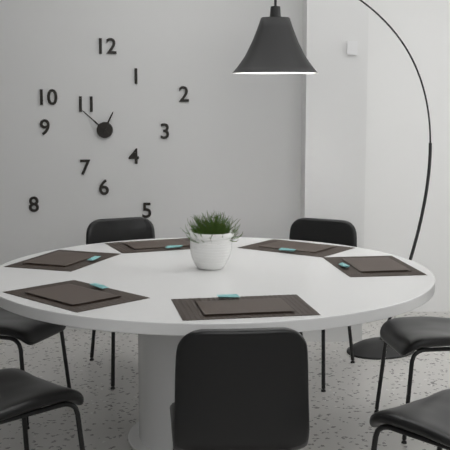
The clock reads 12:52
